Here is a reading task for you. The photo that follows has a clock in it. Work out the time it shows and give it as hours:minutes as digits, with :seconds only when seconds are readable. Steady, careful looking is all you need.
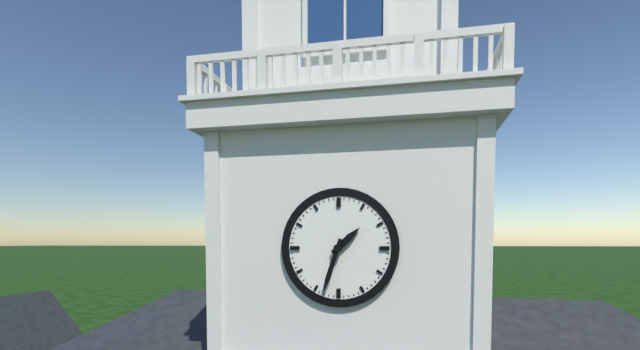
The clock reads 1:33
